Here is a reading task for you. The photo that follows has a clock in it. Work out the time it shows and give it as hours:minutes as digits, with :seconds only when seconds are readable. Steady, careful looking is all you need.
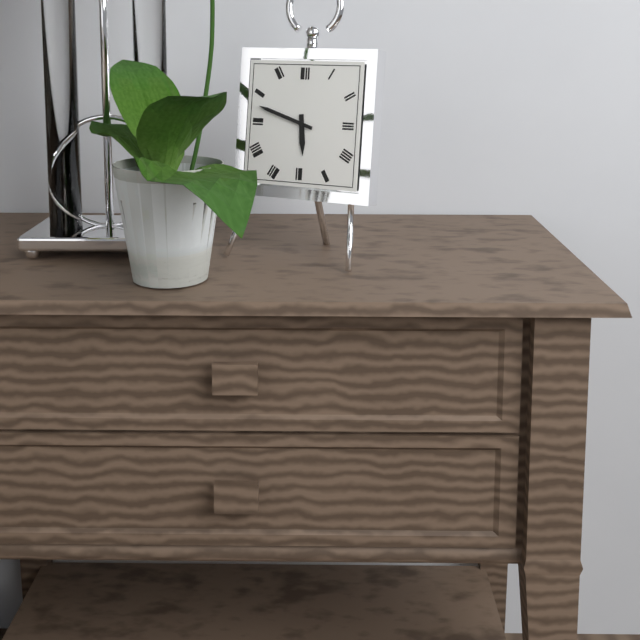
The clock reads 5:48
